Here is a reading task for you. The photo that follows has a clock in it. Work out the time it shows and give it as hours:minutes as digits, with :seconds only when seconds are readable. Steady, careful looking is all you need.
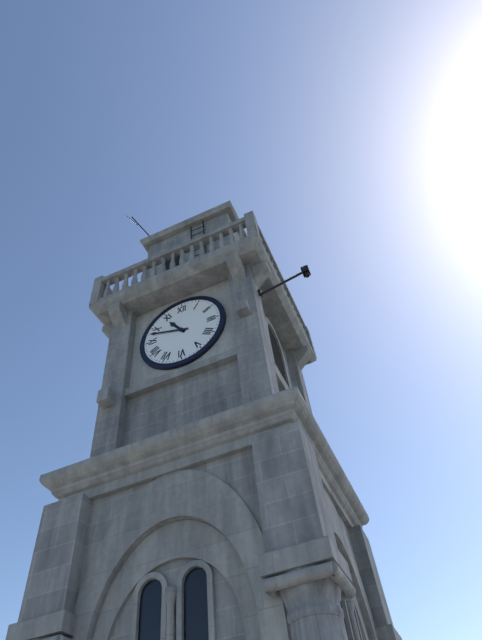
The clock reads 10:48
